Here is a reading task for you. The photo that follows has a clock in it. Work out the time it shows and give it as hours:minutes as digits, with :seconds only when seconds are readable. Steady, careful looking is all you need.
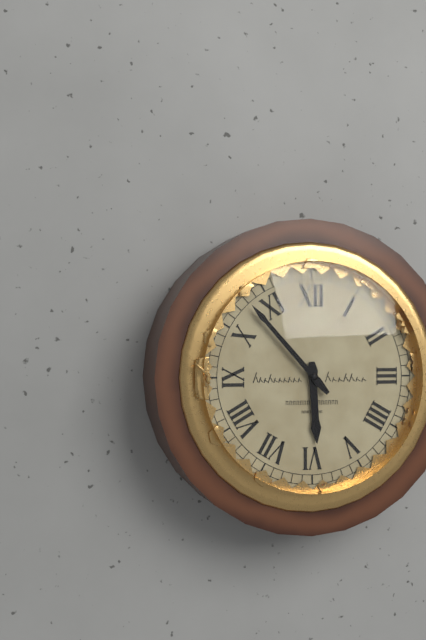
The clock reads 5:53
